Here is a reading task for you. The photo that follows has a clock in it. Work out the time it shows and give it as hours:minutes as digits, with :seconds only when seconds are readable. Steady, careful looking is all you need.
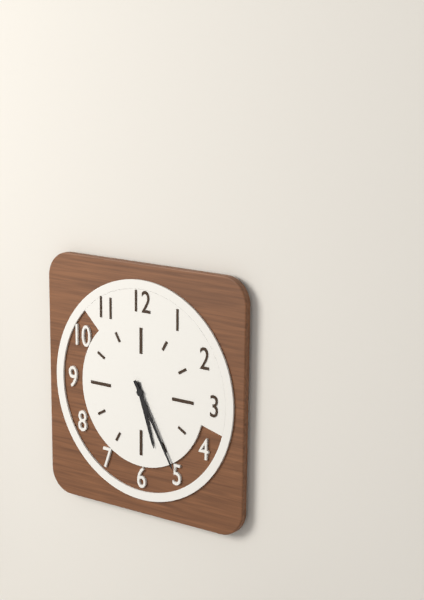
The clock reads 5:25
